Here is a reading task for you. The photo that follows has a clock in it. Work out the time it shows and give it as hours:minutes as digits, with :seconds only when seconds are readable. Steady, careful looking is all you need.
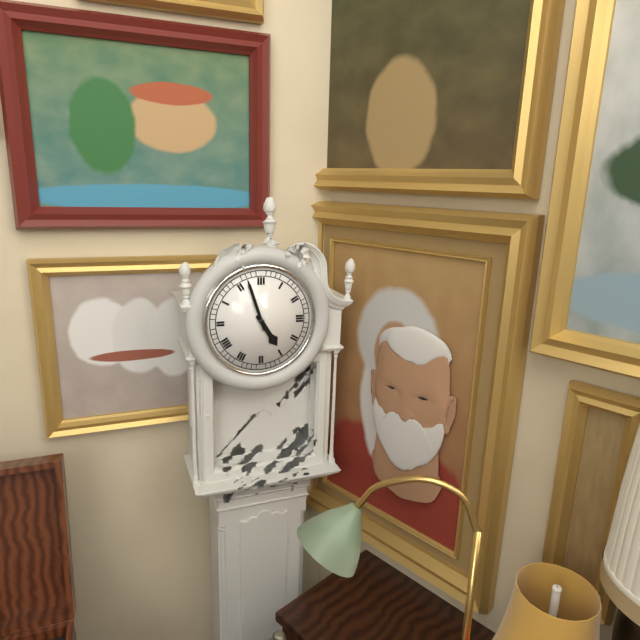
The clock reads 4:57
